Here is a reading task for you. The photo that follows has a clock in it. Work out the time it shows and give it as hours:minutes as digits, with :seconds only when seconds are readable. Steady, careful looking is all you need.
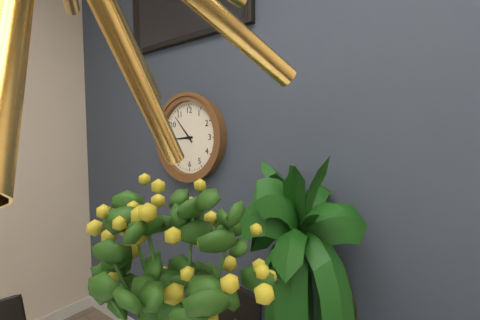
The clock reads 8:53
